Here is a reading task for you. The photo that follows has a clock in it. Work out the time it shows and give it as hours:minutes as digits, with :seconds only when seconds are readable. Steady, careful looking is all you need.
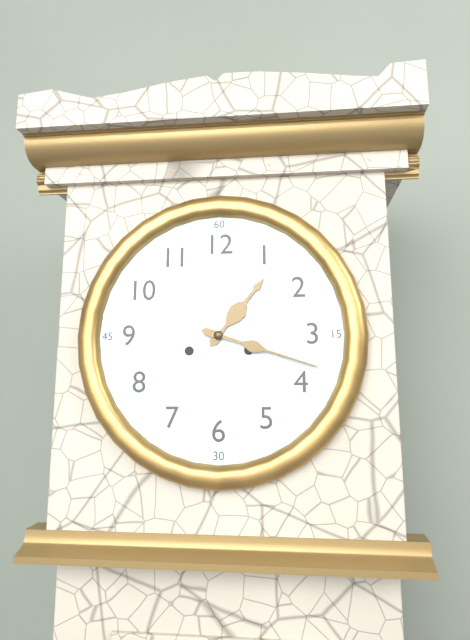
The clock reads 1:18
